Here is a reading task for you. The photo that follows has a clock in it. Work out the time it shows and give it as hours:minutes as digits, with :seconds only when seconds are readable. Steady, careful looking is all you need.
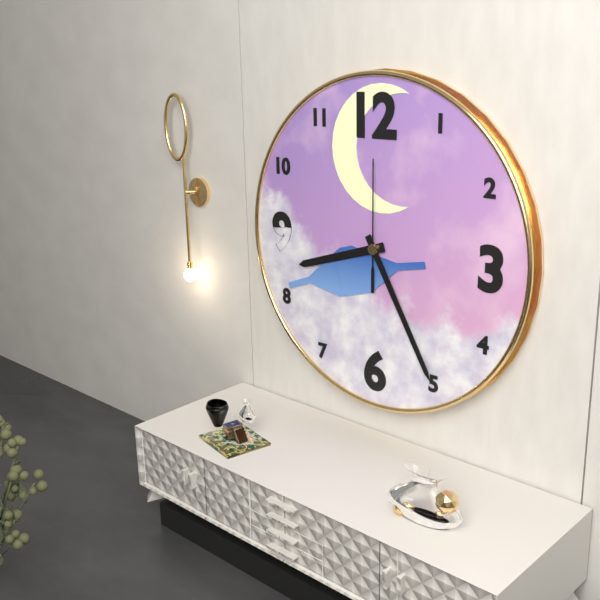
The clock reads 8:25:00
